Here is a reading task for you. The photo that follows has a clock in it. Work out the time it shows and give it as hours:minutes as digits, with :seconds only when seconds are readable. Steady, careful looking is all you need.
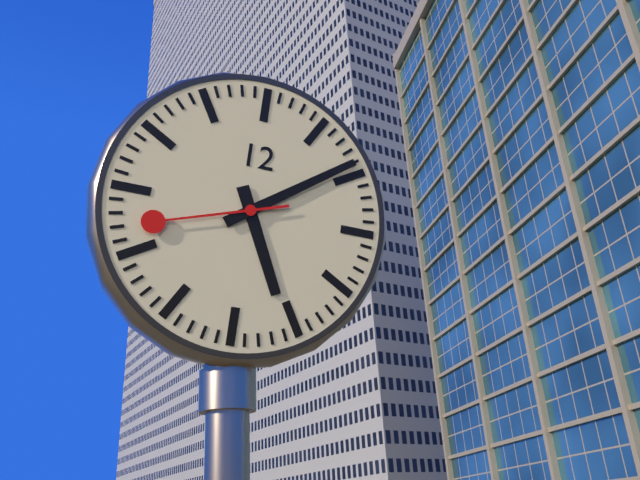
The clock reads 5:09:42
